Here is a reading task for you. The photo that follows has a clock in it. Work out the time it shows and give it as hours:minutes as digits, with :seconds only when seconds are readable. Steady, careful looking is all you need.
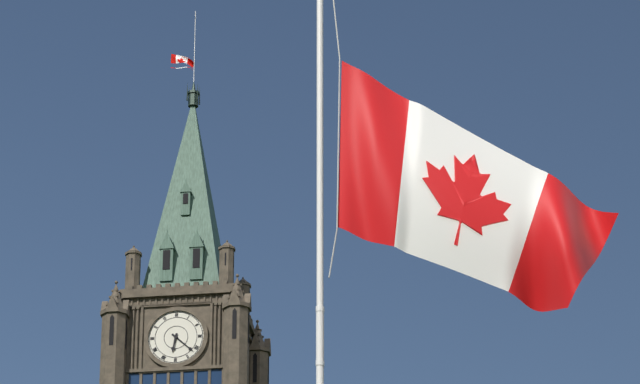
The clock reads 6:22
